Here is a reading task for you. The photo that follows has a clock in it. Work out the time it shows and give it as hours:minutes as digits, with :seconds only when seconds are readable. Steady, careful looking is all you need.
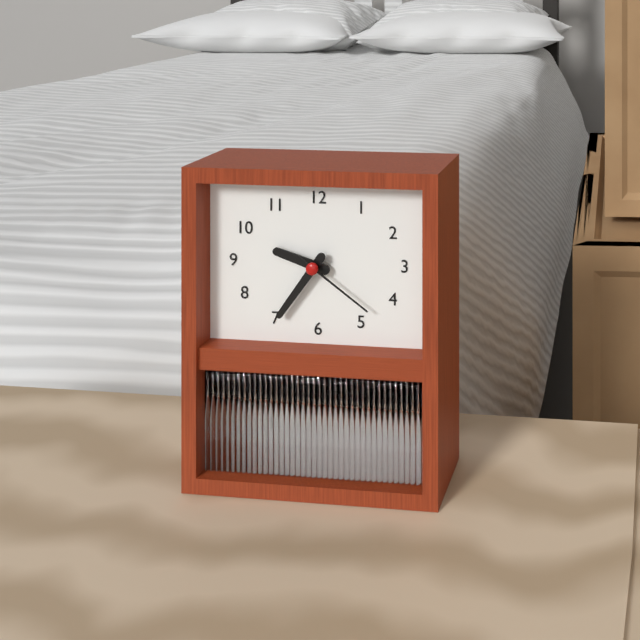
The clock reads 9:36:21
